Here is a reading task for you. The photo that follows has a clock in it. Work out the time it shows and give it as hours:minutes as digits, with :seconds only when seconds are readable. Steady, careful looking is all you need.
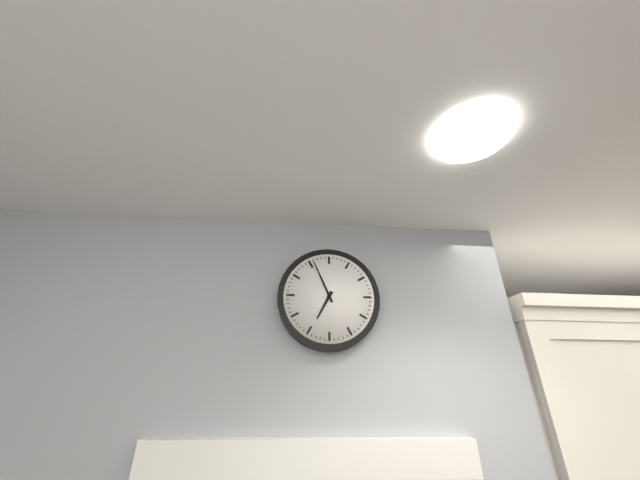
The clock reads 6:56
